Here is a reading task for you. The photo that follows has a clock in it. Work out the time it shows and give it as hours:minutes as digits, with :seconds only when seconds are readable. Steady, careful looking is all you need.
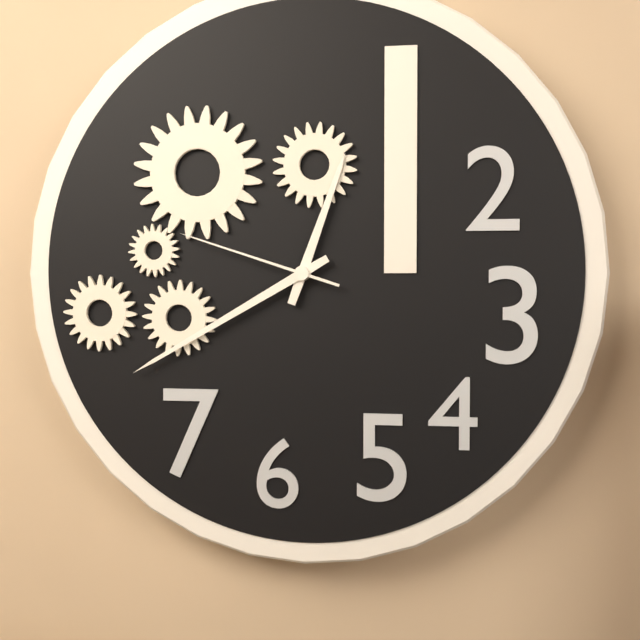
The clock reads 12:40:48
